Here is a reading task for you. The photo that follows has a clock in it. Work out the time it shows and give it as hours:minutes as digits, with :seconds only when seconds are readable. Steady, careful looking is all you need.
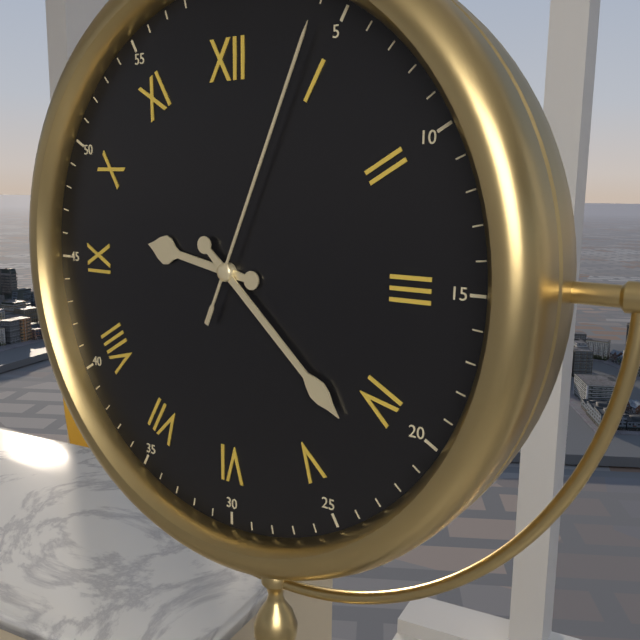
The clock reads 9:22:04
